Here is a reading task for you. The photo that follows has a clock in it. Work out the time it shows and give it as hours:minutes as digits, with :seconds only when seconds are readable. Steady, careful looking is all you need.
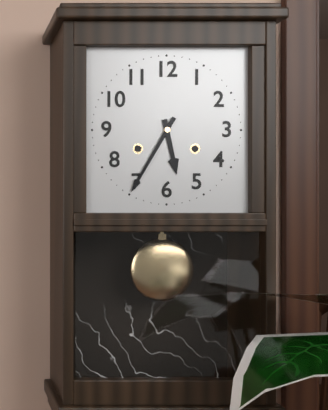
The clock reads 5:35
